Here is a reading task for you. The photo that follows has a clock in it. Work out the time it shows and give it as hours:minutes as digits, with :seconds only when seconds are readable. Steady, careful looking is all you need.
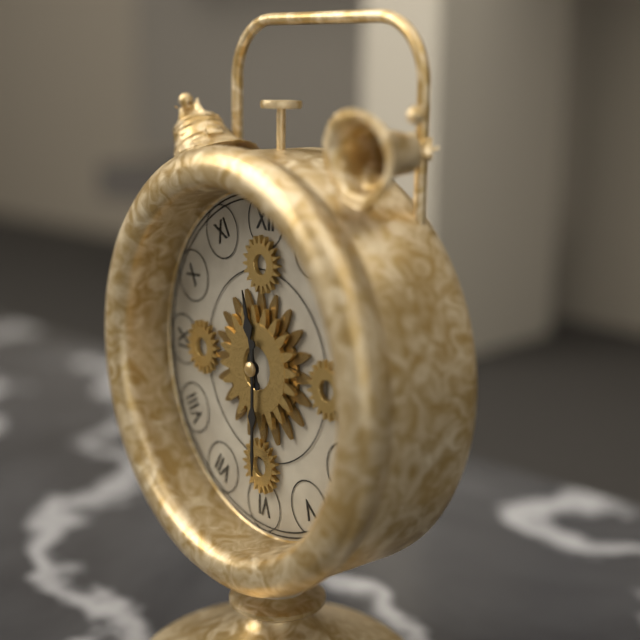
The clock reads 11:30
